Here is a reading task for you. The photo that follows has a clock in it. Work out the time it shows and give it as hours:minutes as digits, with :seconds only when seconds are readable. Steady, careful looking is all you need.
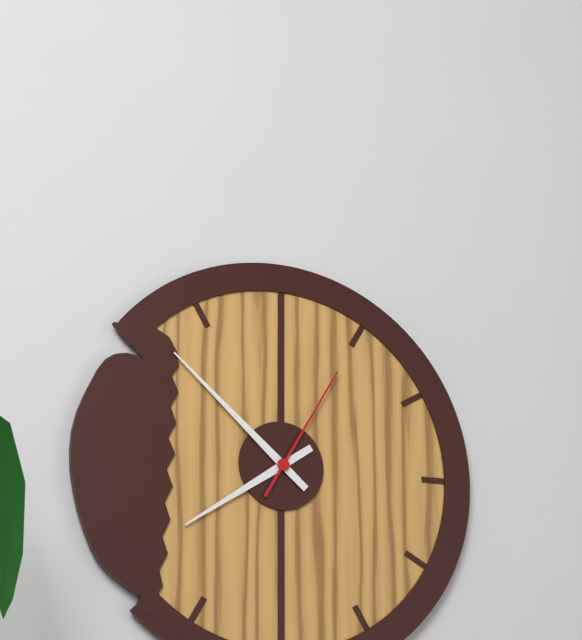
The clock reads 7:52:05
